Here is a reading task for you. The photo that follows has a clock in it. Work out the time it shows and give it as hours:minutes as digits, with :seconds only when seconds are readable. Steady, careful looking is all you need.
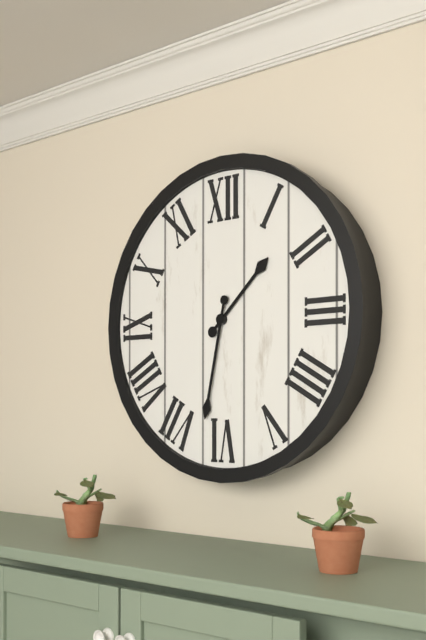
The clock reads 1:32
